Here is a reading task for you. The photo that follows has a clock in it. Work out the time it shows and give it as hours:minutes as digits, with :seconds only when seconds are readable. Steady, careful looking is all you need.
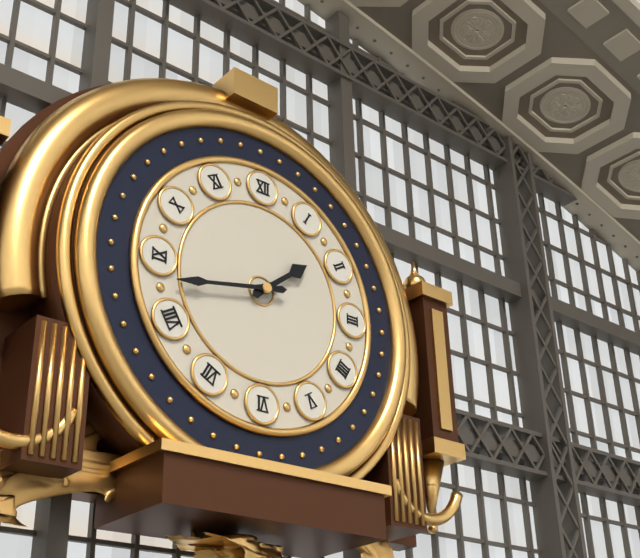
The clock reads 1:43
